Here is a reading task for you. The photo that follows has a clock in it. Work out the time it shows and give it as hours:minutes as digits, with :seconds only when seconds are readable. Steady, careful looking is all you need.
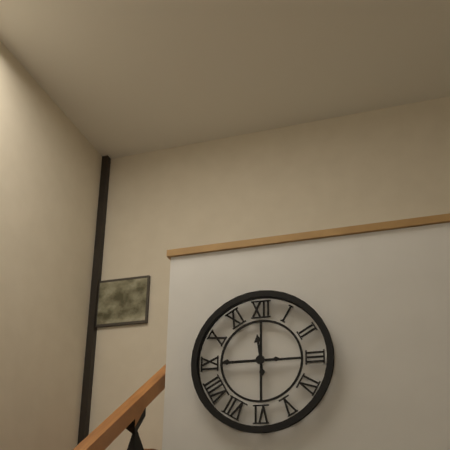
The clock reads 11:45
